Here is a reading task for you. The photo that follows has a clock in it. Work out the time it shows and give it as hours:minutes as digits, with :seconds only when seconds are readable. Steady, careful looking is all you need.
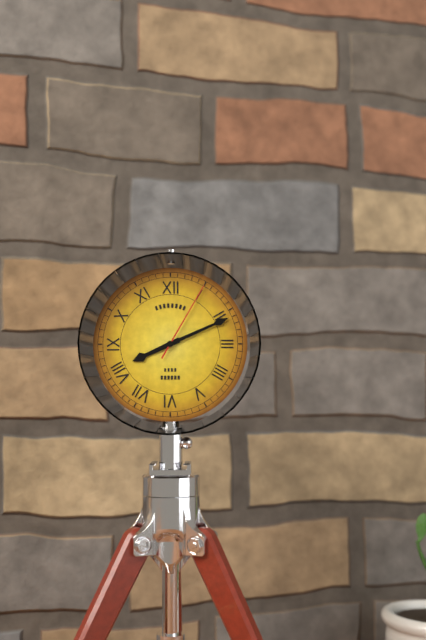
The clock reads 8:11:05
